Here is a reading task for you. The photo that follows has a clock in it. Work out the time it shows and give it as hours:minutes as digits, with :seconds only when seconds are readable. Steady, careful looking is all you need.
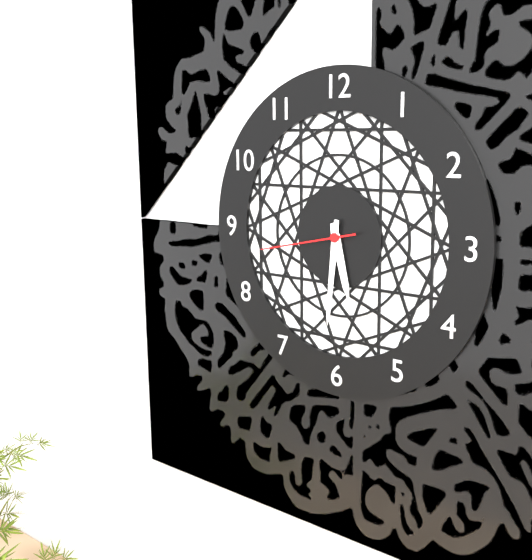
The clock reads 5:31:43
